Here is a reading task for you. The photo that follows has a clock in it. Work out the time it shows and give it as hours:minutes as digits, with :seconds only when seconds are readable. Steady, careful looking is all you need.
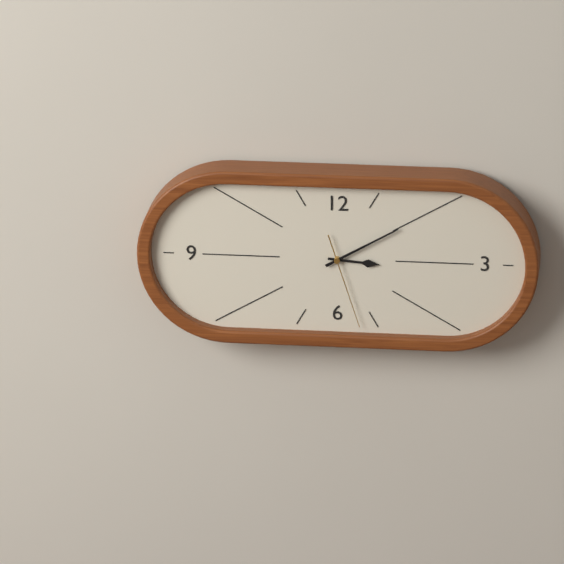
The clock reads 3:10:27
